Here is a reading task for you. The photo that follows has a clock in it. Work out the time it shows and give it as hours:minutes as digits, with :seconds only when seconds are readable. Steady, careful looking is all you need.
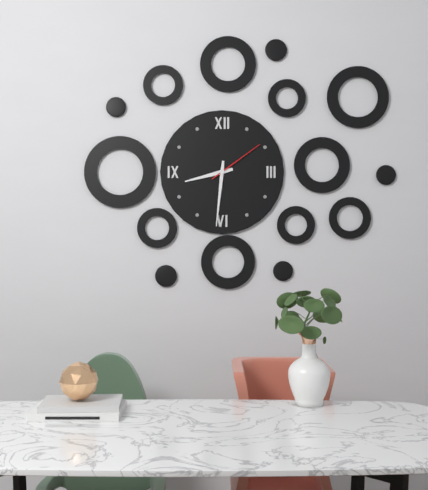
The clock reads 8:31:09
